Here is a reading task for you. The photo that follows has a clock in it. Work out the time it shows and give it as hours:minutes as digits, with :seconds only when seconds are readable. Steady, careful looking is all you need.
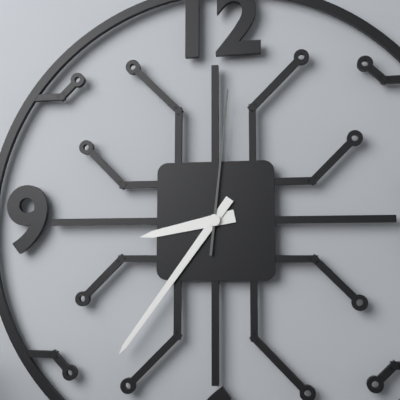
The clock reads 8:36:01
